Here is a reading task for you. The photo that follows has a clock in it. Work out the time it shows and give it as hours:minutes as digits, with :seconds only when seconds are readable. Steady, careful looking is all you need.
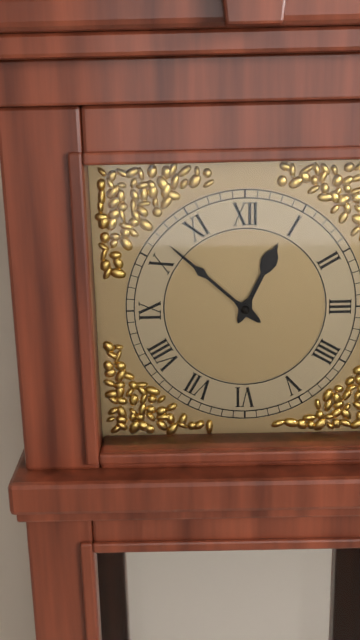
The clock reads 12:52
